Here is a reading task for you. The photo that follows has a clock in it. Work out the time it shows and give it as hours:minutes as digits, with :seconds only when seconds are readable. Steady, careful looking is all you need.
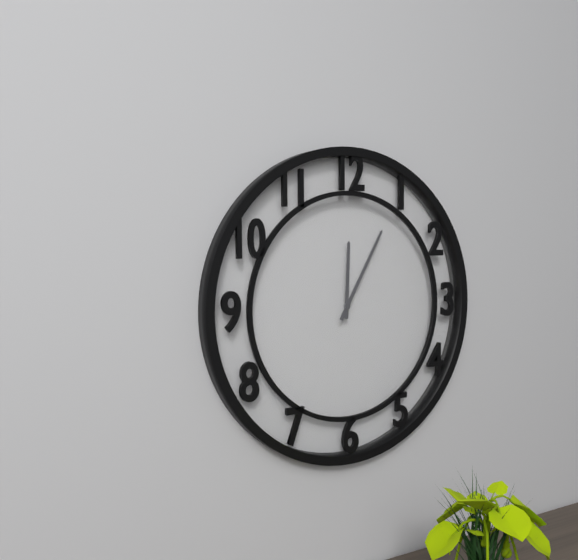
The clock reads 12:05
